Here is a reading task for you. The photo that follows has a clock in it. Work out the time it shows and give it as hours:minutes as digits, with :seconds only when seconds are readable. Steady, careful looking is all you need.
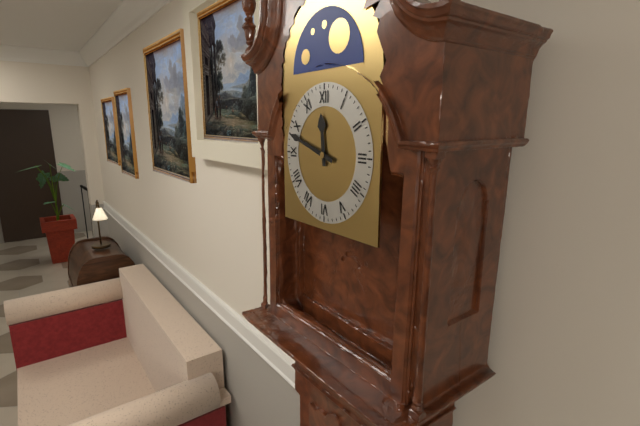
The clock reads 11:48
